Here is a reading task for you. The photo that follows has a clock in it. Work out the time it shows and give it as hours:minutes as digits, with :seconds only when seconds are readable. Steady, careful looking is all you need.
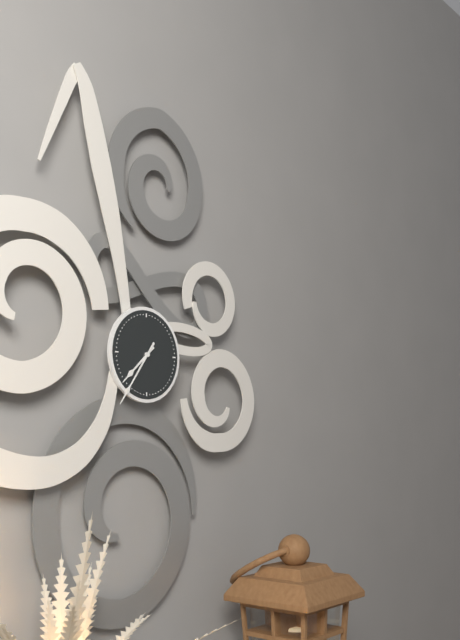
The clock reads 7:36
